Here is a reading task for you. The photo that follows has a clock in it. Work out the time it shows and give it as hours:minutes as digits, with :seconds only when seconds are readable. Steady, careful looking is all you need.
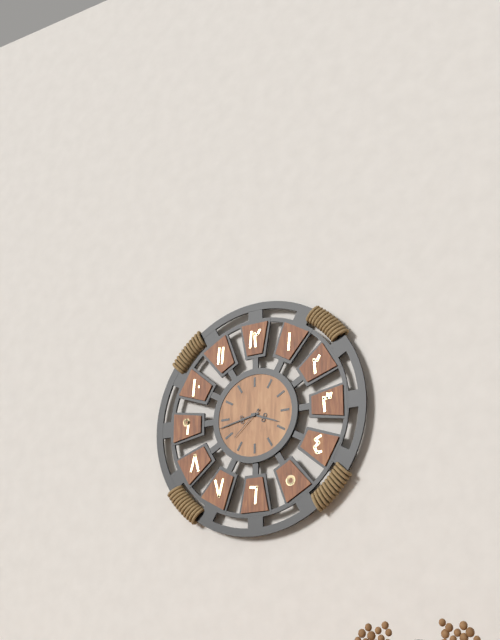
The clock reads 3:43
